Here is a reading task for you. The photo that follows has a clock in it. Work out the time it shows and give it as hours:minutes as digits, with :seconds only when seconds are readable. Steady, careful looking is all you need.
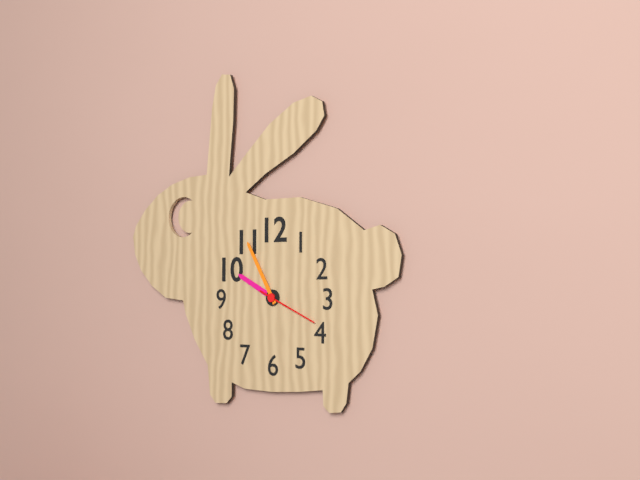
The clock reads 9:55:19
